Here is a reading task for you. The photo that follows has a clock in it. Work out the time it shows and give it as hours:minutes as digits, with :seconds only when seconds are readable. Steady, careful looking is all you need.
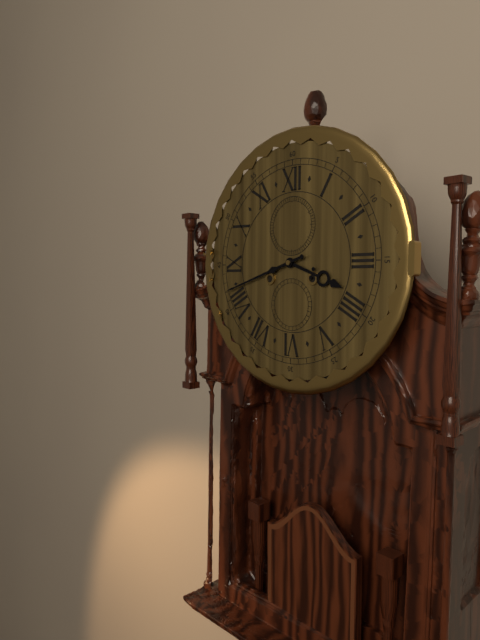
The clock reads 3:42
